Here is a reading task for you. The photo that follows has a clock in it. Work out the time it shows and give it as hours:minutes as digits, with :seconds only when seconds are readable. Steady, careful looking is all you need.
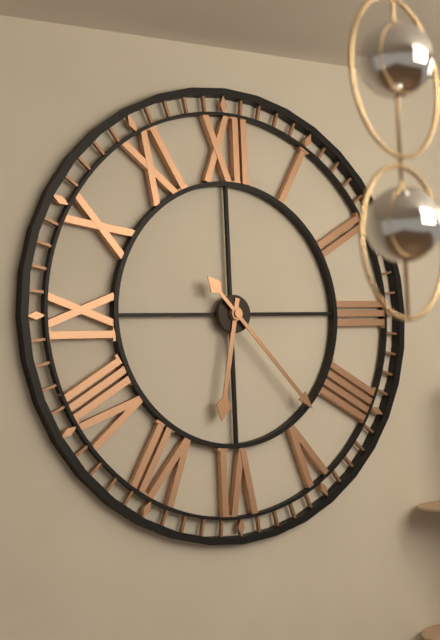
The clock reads 6:23
